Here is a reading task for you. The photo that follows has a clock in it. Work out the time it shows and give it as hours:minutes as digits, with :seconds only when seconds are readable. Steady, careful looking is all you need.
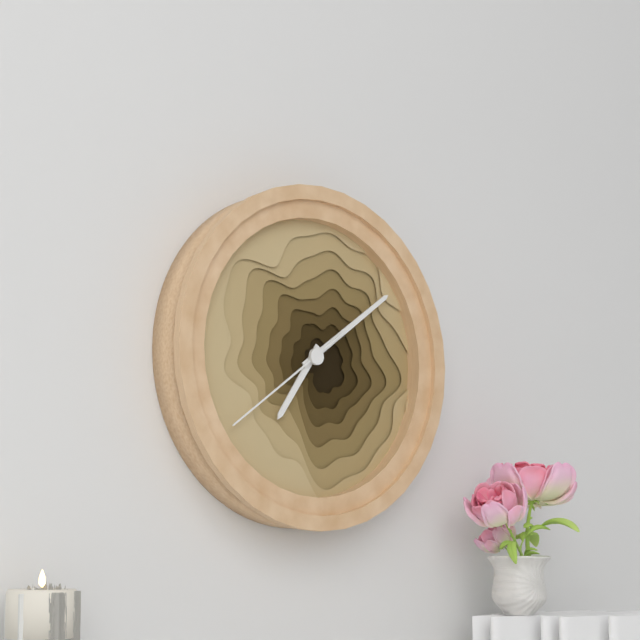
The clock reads 7:09:39
